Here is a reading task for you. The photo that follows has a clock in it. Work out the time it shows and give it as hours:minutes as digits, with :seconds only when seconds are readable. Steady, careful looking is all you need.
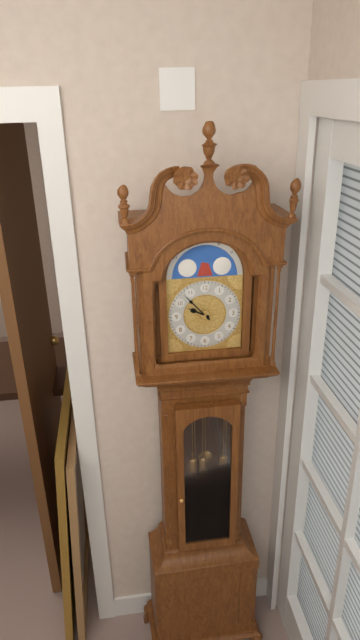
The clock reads 9:53
